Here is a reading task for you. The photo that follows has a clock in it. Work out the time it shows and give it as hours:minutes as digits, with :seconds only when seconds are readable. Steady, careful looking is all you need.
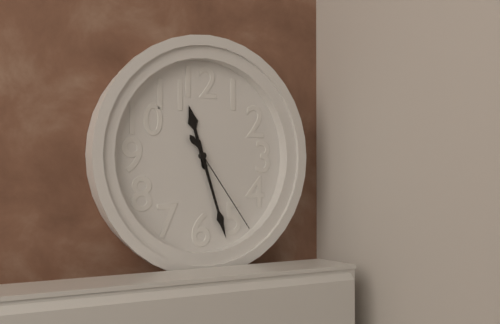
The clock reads 11:27:24
